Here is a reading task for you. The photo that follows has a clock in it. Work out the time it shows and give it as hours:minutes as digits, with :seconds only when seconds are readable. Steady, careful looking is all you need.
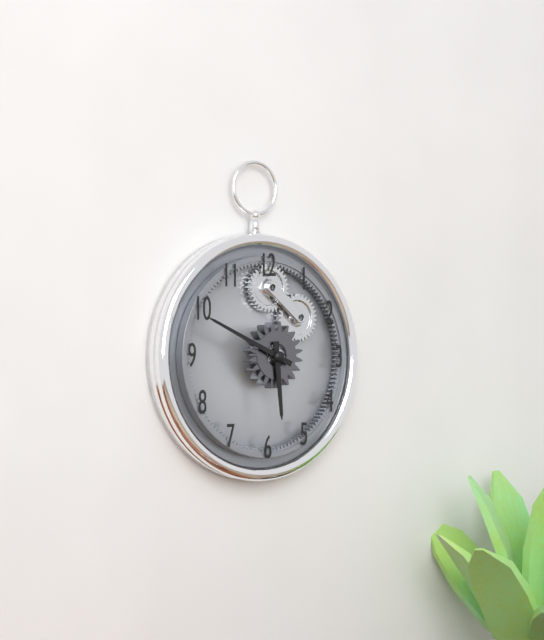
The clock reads 5:49
